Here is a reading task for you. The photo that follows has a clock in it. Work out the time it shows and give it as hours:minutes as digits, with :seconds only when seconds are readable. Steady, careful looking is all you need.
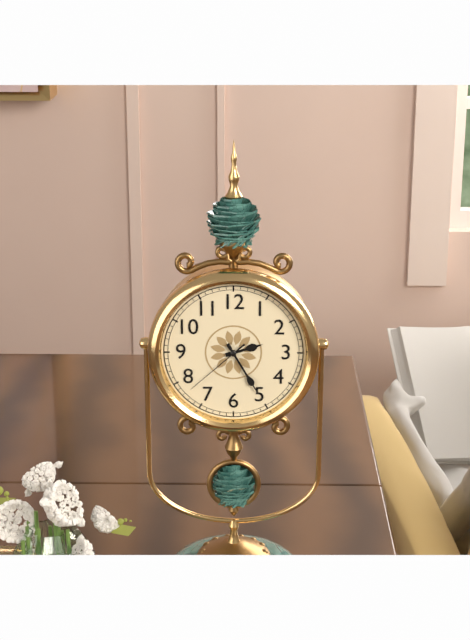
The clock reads 2:25:38
